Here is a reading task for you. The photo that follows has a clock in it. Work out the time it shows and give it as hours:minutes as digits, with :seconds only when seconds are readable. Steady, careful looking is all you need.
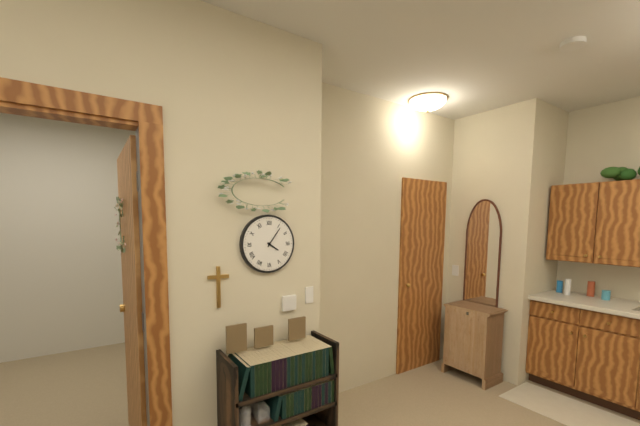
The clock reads 4:06
